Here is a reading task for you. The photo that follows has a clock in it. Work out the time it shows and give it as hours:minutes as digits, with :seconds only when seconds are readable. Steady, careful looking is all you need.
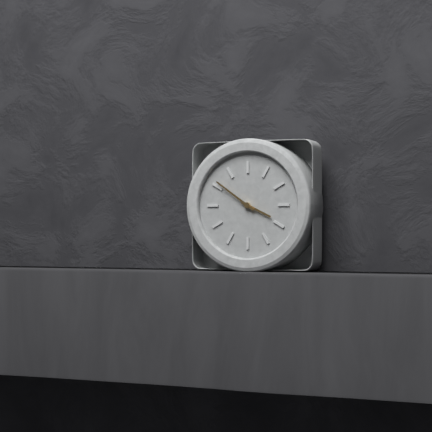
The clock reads 3:51
